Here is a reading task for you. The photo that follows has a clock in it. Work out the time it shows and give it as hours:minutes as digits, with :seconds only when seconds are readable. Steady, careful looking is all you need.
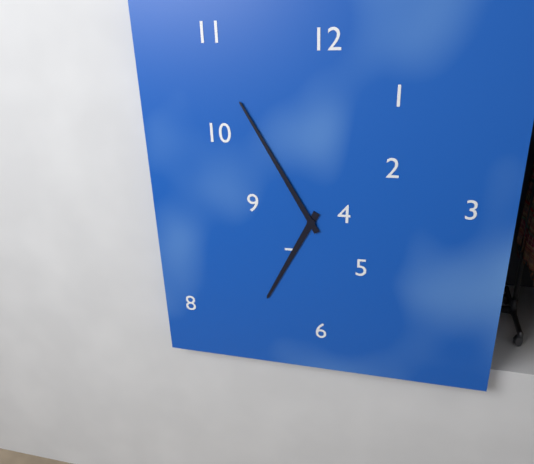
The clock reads 6:55
